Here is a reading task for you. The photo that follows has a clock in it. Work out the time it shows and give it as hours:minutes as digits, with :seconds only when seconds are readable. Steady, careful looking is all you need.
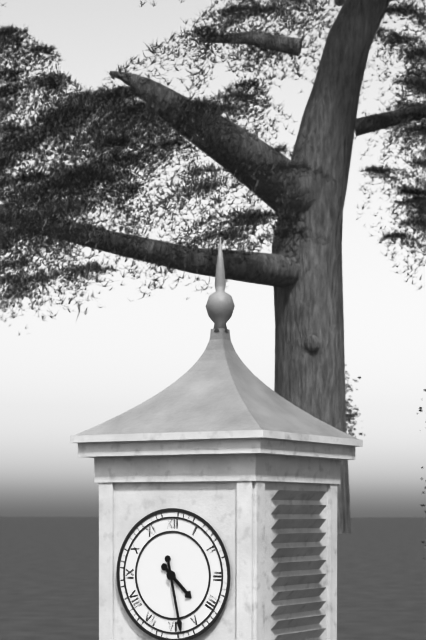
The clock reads 4:28
